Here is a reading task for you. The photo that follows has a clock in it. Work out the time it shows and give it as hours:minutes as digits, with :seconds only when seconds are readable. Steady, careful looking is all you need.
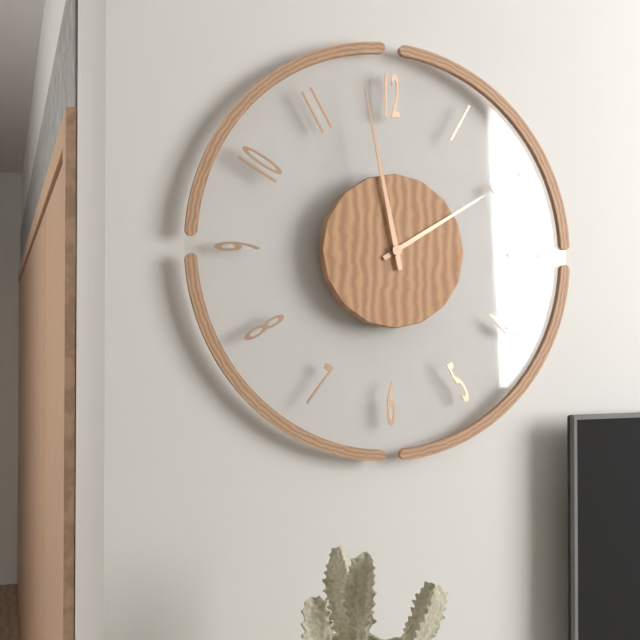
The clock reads 1:58
